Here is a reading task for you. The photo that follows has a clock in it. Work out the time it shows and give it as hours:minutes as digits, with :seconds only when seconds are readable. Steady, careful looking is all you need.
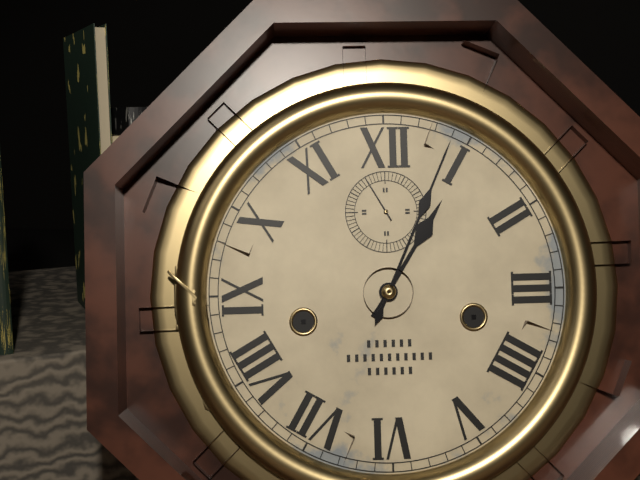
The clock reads 1:04
